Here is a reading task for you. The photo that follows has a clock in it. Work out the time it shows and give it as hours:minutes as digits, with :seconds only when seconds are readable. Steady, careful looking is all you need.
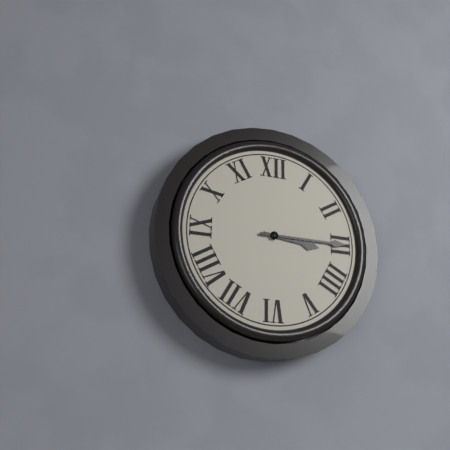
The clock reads 3:15
